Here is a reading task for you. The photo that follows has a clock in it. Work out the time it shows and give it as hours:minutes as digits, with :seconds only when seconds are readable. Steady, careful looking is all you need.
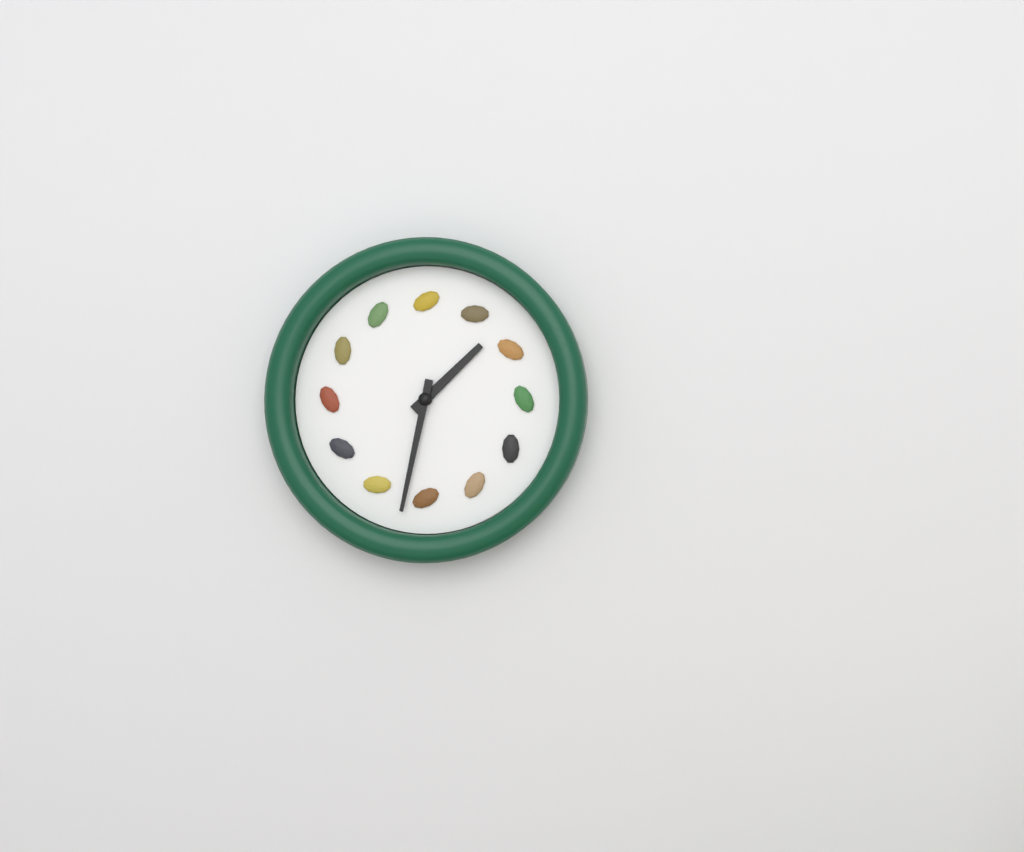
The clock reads 1:32
